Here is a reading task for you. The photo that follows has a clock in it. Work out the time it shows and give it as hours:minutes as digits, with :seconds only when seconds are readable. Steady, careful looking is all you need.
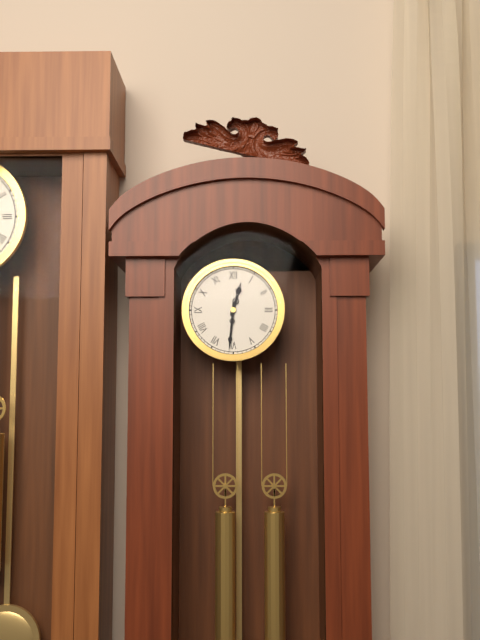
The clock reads 12:31
